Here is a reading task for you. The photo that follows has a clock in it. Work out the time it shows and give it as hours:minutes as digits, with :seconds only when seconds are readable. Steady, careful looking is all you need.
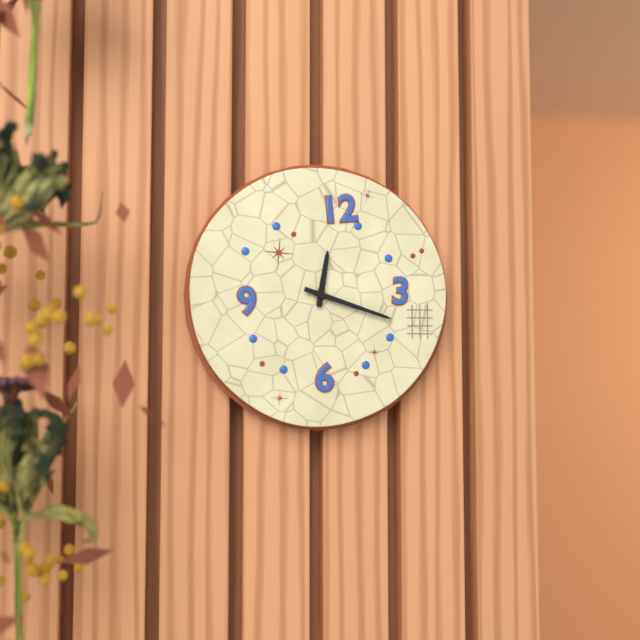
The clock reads 12:18
